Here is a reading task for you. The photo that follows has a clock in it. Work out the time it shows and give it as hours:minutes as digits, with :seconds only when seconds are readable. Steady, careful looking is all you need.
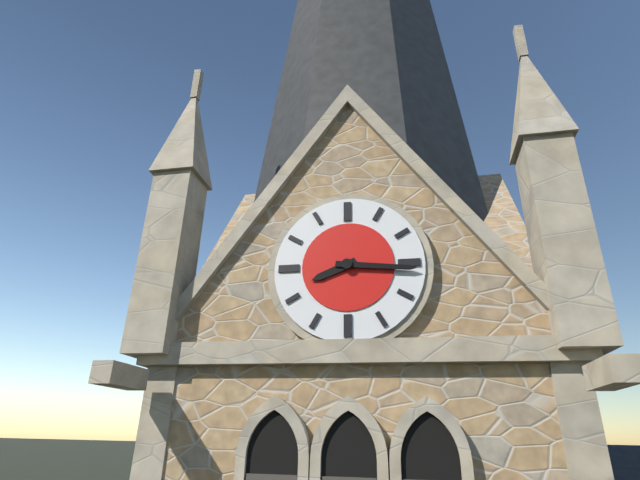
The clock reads 8:16
